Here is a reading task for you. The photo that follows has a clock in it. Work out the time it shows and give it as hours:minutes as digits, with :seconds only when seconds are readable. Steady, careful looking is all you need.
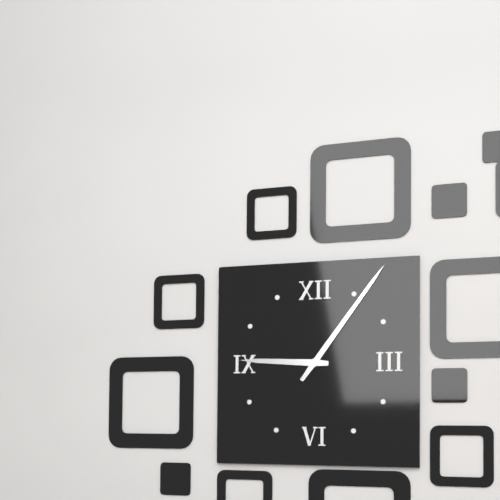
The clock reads 9:06
